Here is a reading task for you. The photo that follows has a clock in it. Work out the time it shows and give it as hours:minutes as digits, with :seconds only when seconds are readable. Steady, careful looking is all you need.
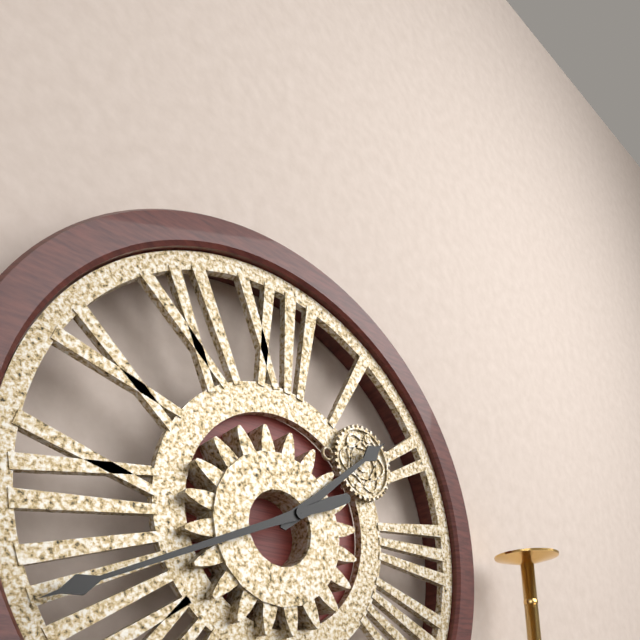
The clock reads 1:41
